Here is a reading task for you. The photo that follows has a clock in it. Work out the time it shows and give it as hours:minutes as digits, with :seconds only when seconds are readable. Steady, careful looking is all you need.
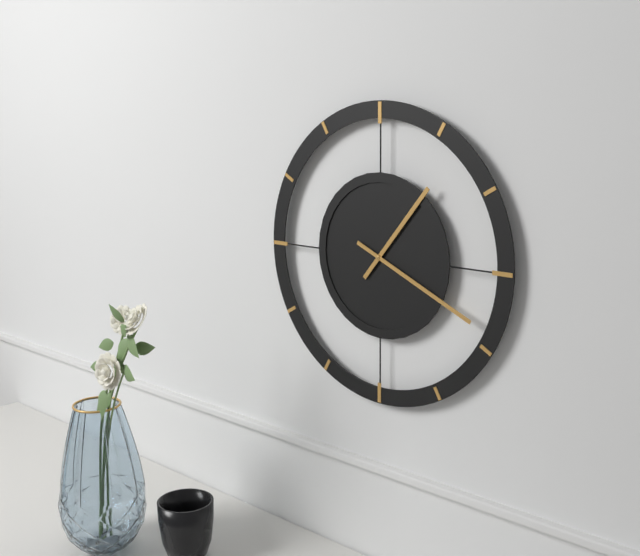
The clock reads 1:19
